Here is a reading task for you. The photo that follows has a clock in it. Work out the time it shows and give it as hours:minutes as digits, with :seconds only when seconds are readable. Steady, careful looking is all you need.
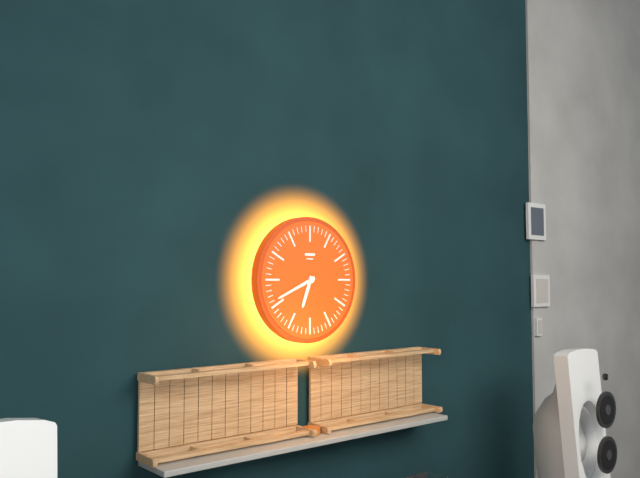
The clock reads 6:41
